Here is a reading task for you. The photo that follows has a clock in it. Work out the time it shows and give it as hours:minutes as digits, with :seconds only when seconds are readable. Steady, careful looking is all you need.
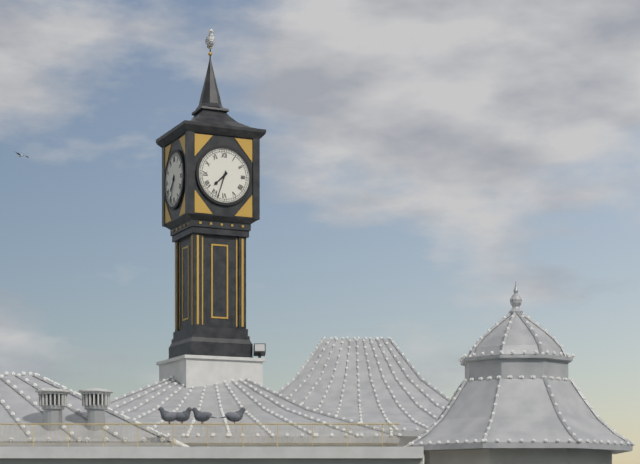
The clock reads 7:33
